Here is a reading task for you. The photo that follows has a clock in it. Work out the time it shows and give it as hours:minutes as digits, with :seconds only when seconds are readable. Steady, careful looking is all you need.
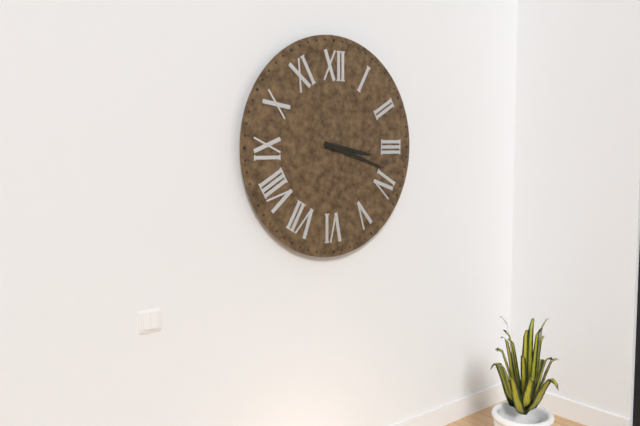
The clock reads 3:18
